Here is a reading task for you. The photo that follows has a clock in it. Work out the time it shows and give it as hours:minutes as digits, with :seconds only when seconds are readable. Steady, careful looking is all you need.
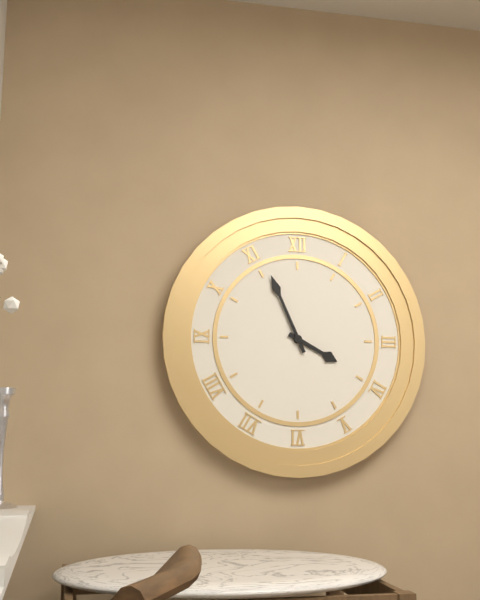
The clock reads 3:56
